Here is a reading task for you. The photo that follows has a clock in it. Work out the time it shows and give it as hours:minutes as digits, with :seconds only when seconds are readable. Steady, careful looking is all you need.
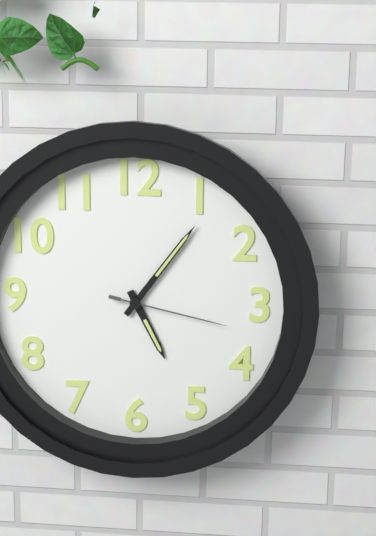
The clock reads 5:06:17
